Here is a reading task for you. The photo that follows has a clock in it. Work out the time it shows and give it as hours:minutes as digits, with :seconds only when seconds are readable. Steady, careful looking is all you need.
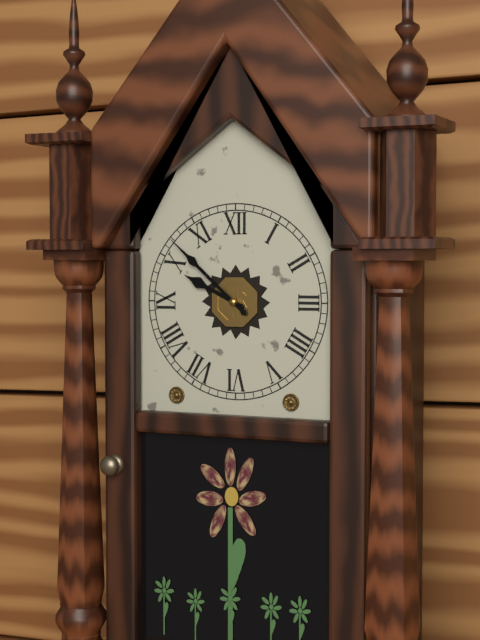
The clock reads 9:52
